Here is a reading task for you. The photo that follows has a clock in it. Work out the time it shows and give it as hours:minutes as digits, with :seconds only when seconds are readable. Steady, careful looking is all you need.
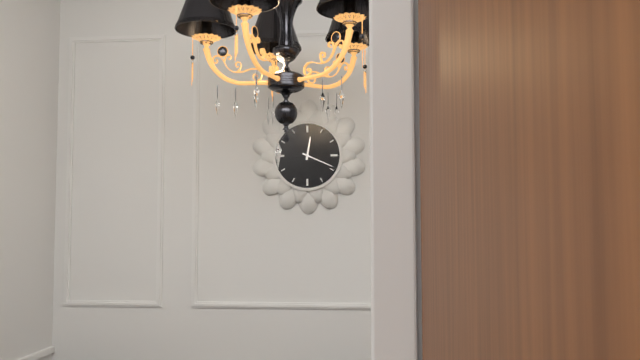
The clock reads 12:19
